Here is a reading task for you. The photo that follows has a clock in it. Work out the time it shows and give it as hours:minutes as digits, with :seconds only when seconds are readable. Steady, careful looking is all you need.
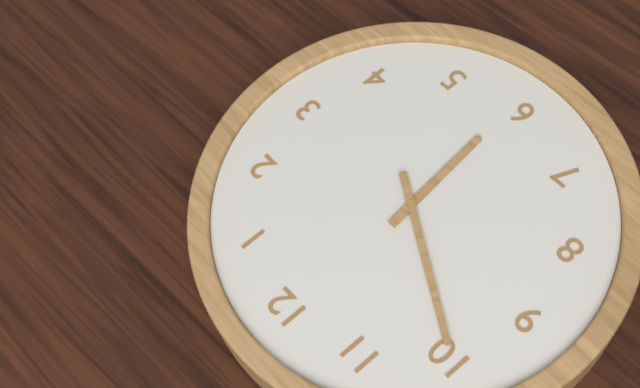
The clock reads 5:50
